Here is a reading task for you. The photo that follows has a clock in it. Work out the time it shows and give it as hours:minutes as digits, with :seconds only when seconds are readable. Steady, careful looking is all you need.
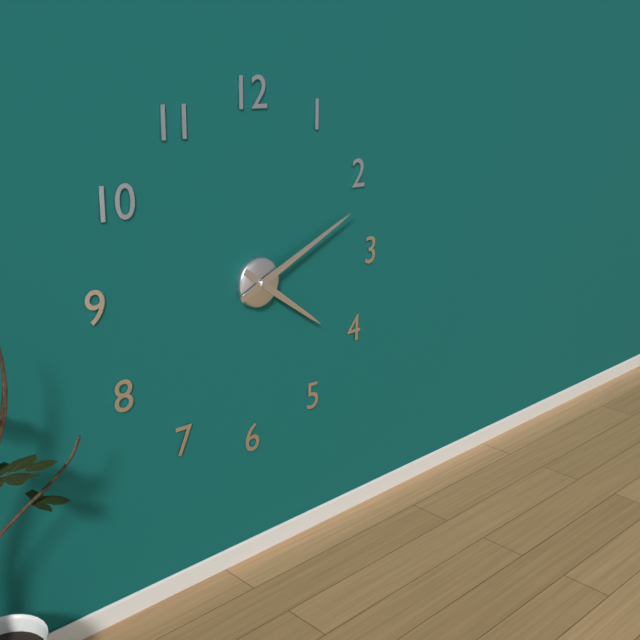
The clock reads 4:11
